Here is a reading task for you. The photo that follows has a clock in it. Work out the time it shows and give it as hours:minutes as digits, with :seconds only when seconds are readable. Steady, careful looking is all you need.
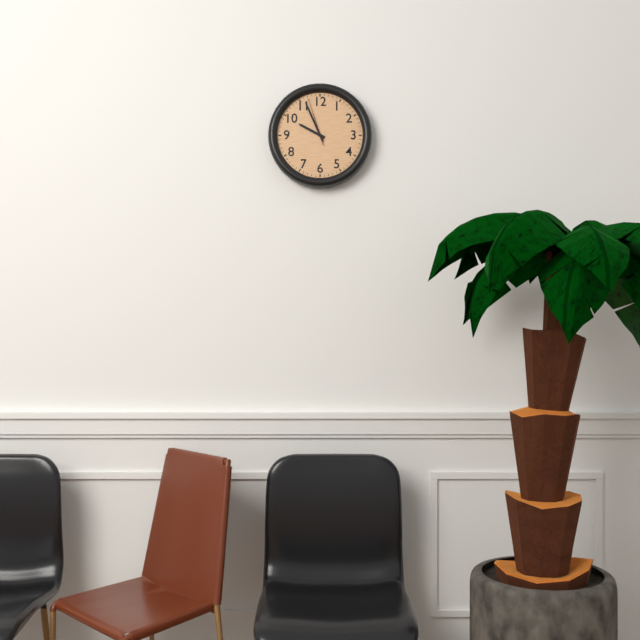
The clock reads 9:56
